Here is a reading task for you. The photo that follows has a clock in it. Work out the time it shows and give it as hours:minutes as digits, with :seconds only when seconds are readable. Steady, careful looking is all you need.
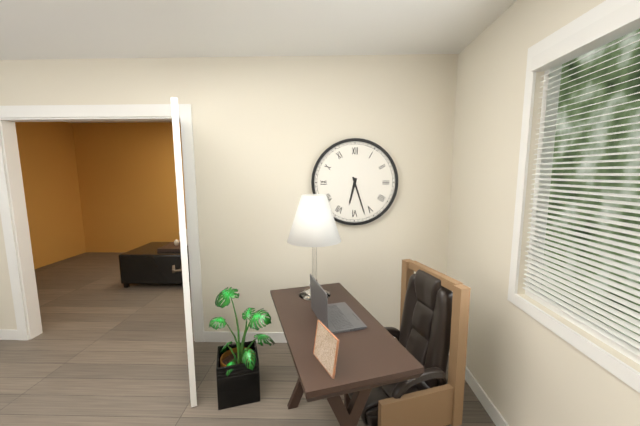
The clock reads 6:27
